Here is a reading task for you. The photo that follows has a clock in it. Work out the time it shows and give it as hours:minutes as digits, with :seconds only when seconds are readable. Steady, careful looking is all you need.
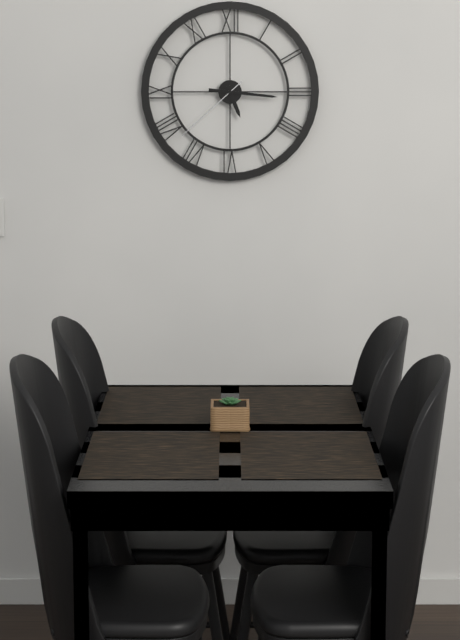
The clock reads 5:16:38
